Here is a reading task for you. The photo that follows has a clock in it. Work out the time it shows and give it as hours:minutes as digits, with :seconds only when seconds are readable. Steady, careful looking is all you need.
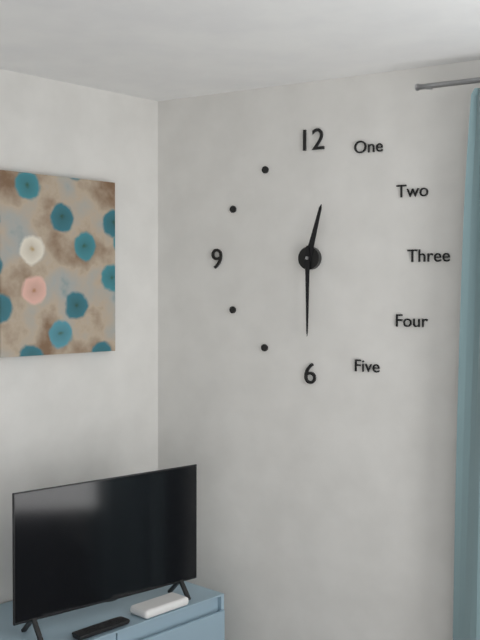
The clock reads 12:30
